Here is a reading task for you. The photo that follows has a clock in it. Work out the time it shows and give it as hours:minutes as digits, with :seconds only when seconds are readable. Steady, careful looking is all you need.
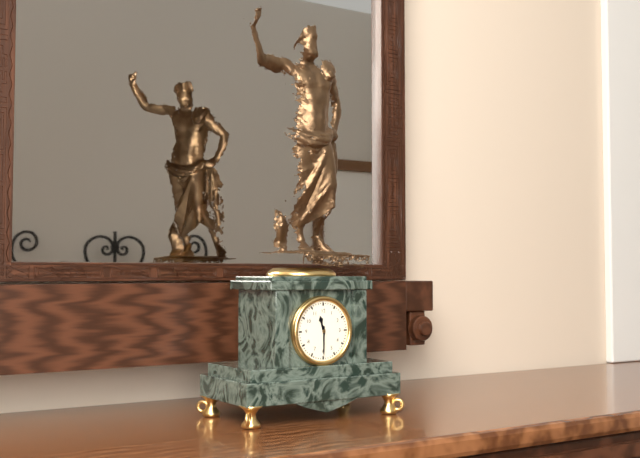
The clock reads 11:30
